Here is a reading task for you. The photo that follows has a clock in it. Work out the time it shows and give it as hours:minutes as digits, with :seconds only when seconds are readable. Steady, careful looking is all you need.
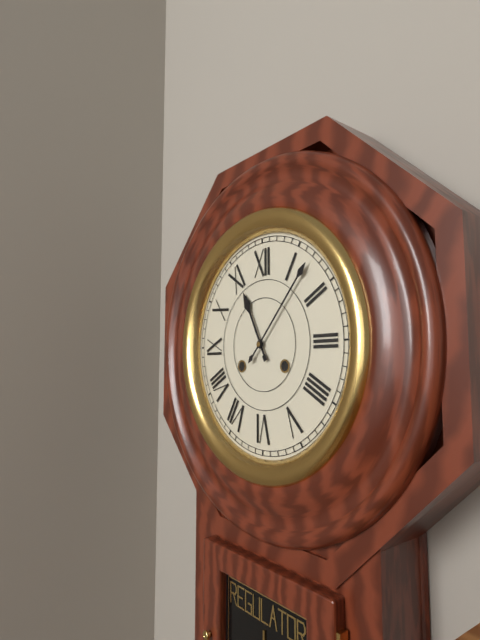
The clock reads 11:07
